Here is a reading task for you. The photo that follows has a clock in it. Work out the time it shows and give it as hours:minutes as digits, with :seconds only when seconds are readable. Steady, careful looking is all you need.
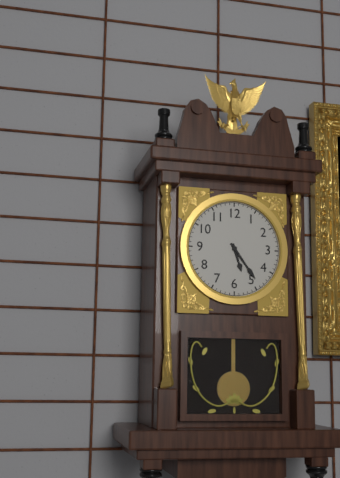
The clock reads 5:24
